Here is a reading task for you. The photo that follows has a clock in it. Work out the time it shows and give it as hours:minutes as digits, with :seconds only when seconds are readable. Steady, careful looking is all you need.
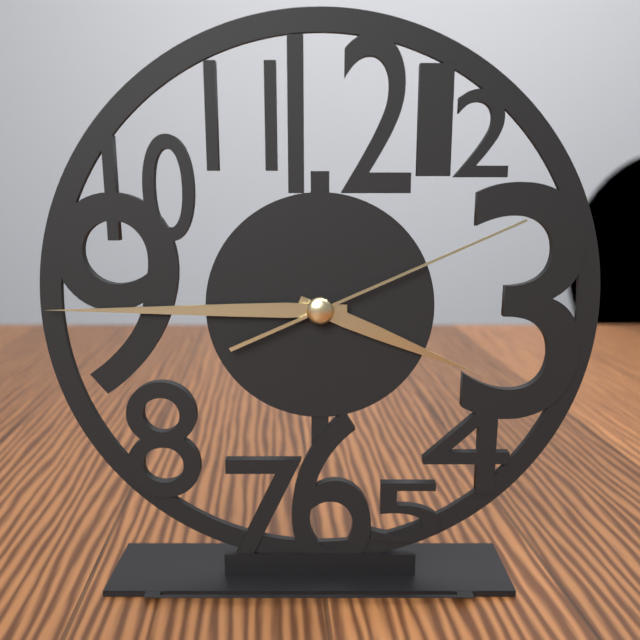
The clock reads 3:45:11
